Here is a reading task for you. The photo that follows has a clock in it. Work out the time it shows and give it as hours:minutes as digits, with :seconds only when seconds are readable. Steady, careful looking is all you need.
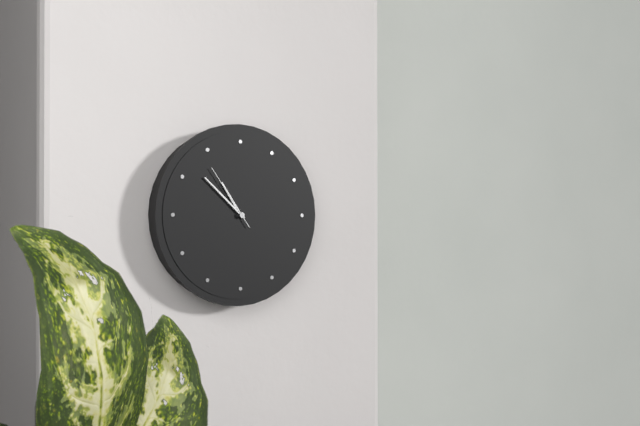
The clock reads 10:52:54
